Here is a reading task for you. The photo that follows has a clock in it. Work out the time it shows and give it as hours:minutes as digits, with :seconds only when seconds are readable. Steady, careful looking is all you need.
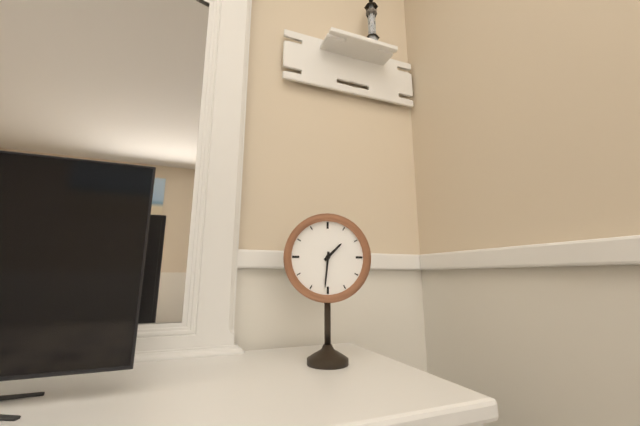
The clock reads 1:31
